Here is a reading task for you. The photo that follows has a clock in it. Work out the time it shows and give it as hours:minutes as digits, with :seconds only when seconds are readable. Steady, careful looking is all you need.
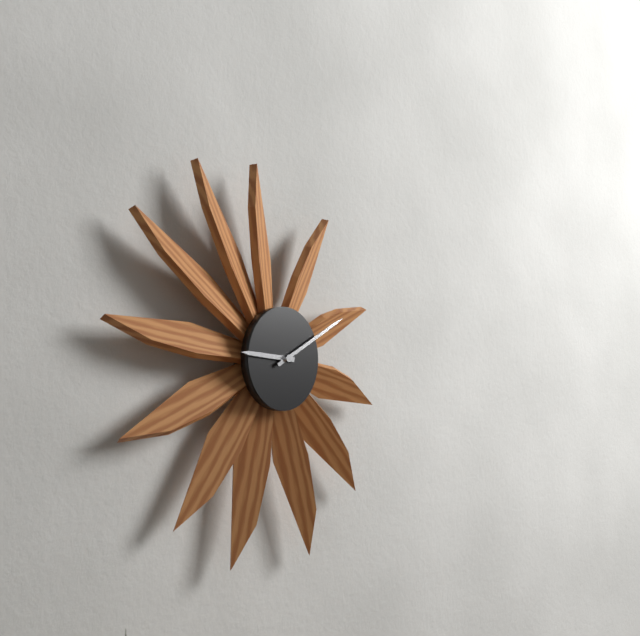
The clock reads 9:10
